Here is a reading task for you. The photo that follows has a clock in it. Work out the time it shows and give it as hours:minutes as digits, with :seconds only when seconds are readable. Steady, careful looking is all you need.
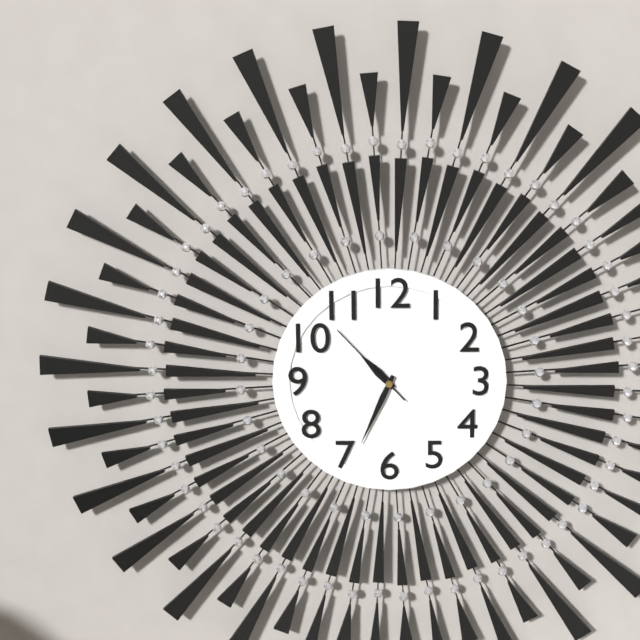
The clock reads 10:34:53
